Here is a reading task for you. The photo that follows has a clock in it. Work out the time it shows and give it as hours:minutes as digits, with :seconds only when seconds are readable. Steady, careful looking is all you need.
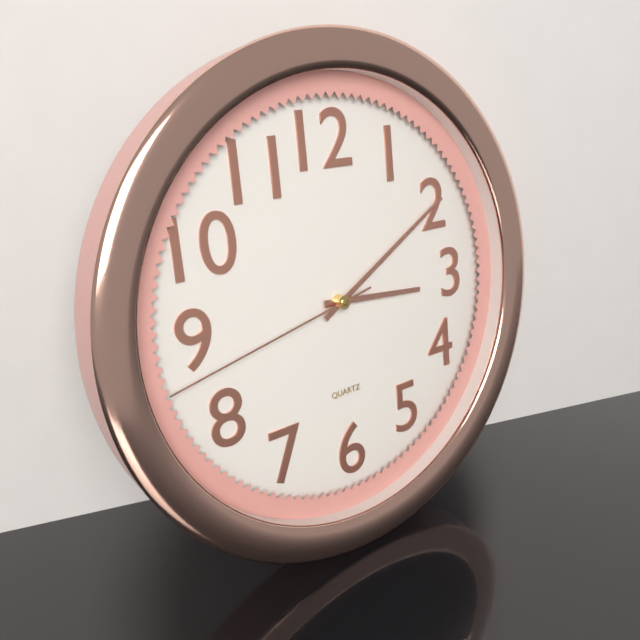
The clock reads 3:10:43
